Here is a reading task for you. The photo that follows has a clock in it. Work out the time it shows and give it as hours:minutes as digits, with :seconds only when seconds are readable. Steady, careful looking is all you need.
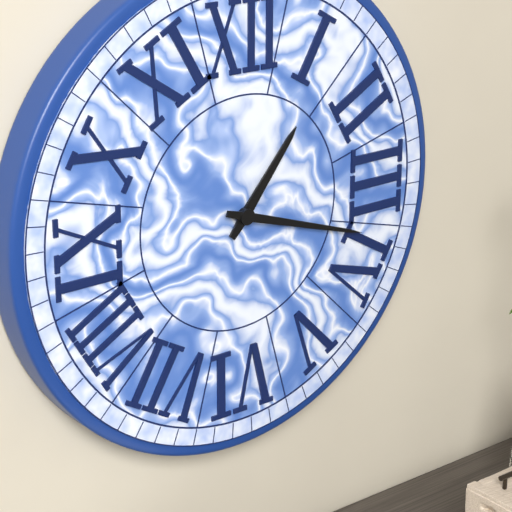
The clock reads 1:18
